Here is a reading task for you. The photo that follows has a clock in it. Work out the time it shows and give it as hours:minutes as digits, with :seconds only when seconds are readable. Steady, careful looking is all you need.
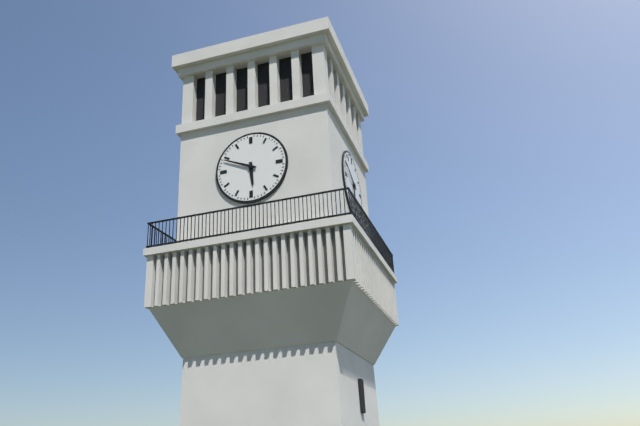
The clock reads 5:49
